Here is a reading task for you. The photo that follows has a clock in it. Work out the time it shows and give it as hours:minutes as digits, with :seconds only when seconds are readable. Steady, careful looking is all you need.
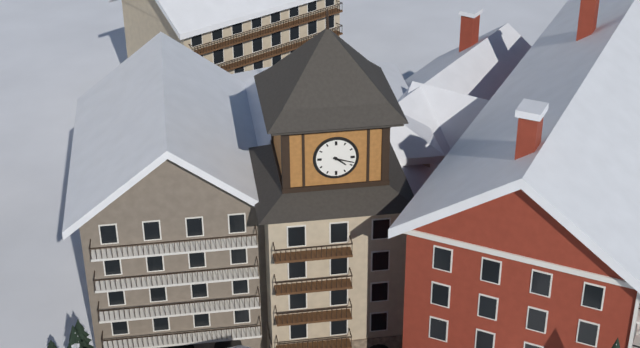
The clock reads 4:18
